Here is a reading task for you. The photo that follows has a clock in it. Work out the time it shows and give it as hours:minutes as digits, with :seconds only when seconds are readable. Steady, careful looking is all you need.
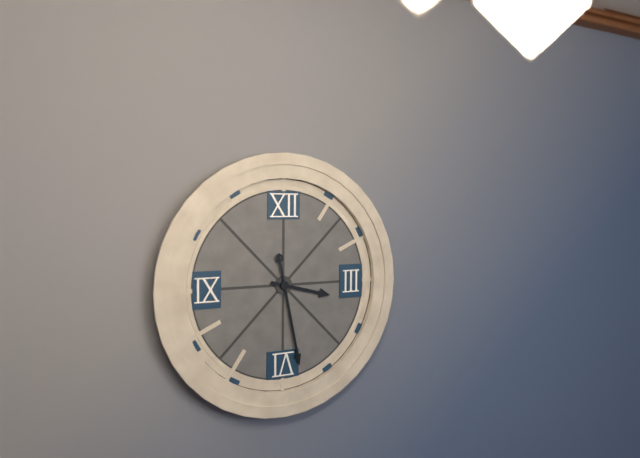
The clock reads 3:28
